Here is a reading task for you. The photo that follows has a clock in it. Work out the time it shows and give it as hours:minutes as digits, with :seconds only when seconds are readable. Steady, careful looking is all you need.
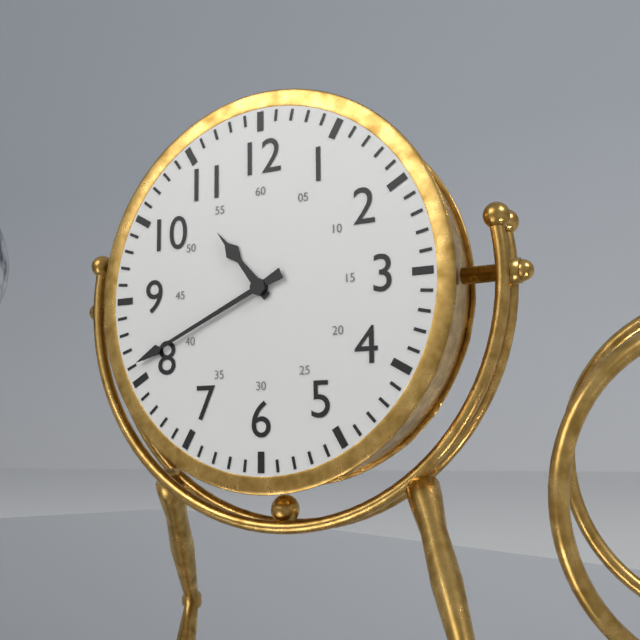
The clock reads 10:41
